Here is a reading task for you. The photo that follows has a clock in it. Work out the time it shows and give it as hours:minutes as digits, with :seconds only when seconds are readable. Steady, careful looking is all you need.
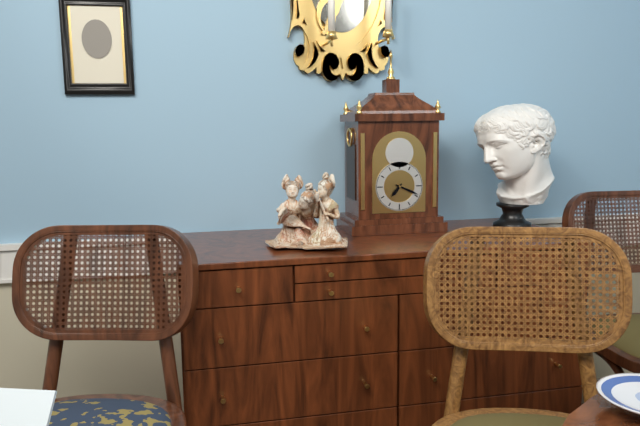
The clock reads 7:19
